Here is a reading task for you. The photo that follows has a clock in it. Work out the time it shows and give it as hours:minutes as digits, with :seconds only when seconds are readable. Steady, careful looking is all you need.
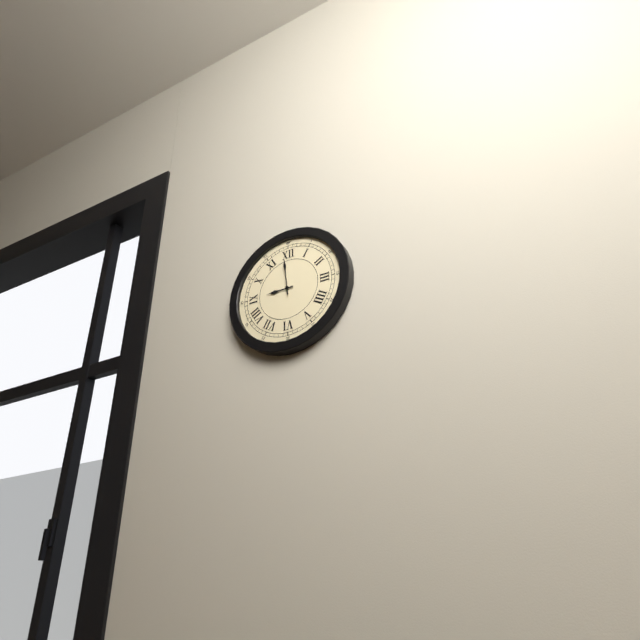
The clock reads 8:59
